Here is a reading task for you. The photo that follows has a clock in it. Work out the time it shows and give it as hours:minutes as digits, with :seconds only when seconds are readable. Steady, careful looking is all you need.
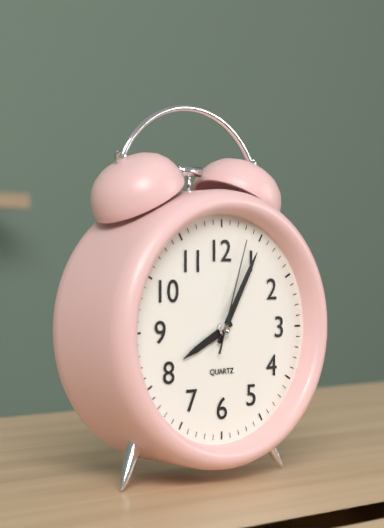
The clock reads 8:05:03
